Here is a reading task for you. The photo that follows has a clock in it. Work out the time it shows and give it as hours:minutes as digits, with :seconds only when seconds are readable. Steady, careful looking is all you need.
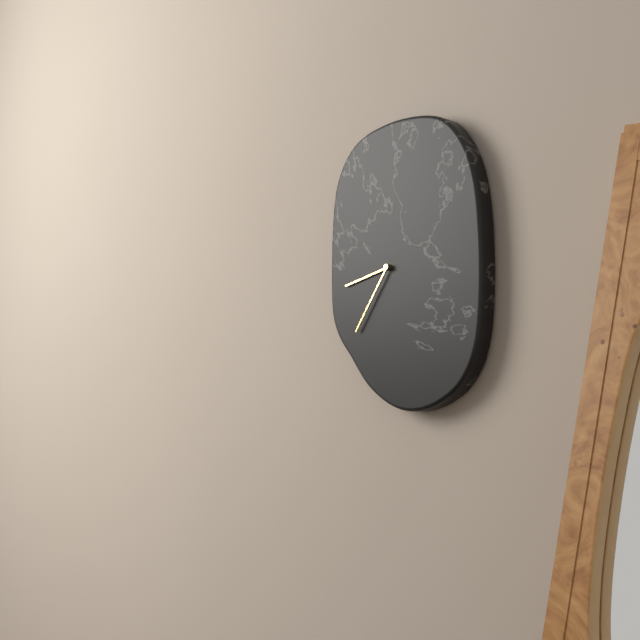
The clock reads 8:36
